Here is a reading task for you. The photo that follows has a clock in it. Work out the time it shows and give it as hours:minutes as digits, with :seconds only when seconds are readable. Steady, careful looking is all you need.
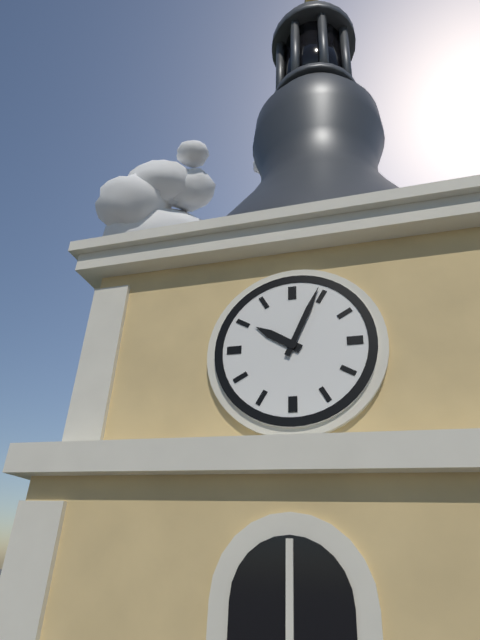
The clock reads 10:04
